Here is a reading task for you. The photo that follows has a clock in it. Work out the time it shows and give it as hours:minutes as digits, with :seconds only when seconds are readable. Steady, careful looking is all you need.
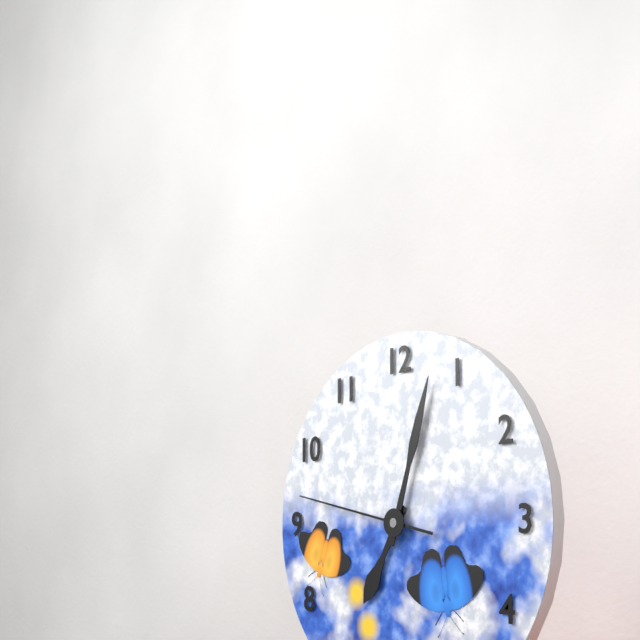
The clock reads 7:03:47
